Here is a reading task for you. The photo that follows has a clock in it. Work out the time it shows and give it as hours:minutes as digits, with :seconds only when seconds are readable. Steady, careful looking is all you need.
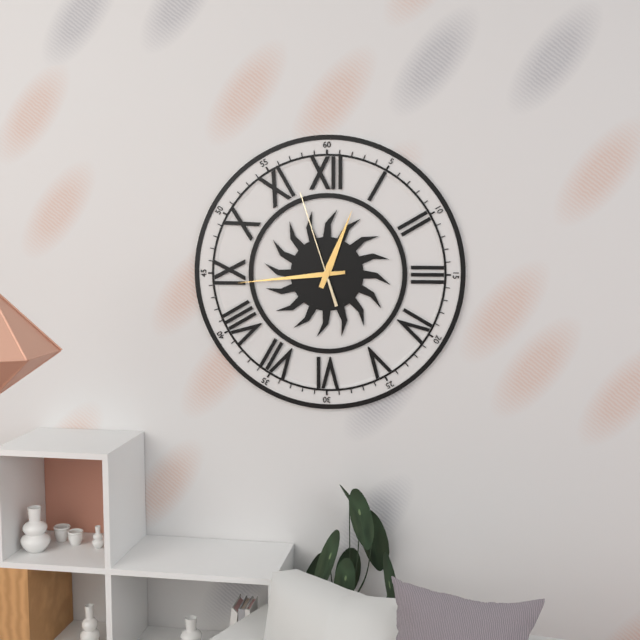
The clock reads 12:44:57
